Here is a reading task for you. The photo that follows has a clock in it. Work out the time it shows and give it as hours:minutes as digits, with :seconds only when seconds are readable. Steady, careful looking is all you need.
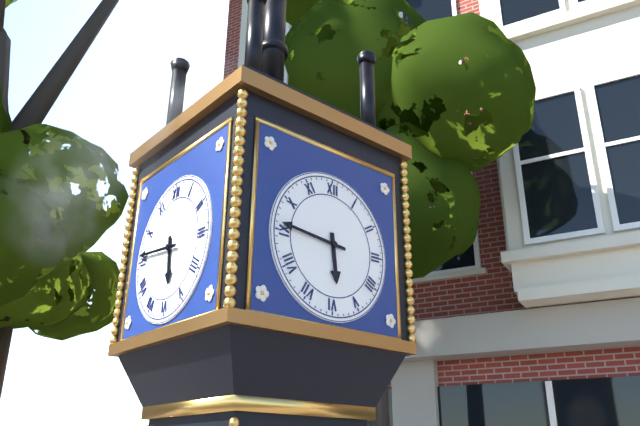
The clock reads 5:46
